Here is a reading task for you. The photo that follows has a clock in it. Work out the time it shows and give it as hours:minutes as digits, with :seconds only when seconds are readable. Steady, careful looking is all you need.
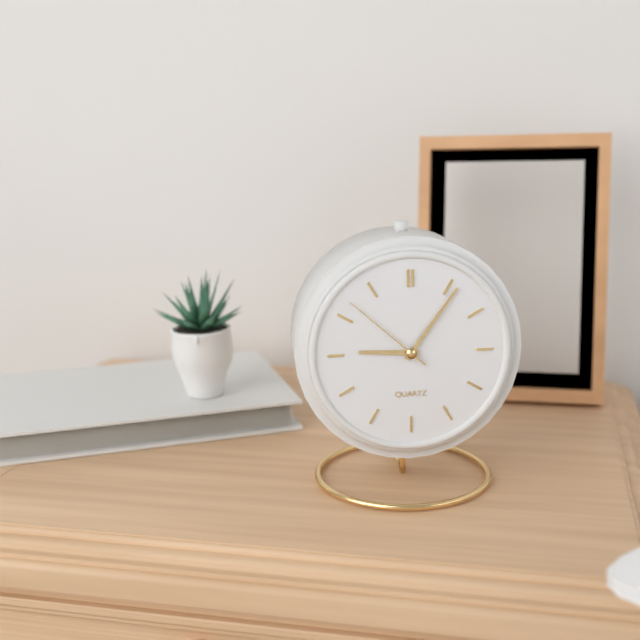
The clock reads 9:06:52
